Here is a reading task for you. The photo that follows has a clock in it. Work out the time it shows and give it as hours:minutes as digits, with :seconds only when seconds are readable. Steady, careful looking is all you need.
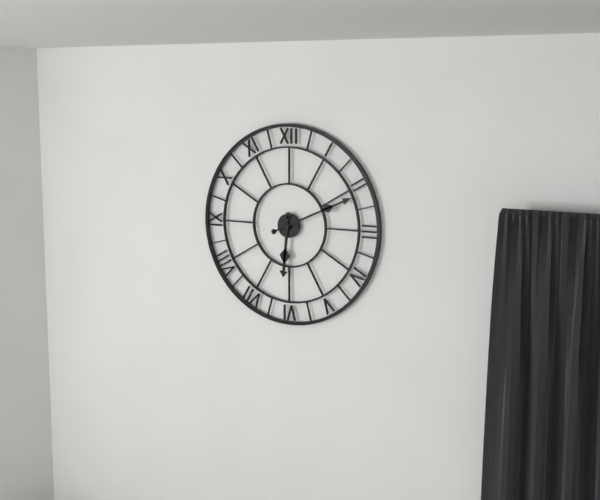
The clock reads 6:11
